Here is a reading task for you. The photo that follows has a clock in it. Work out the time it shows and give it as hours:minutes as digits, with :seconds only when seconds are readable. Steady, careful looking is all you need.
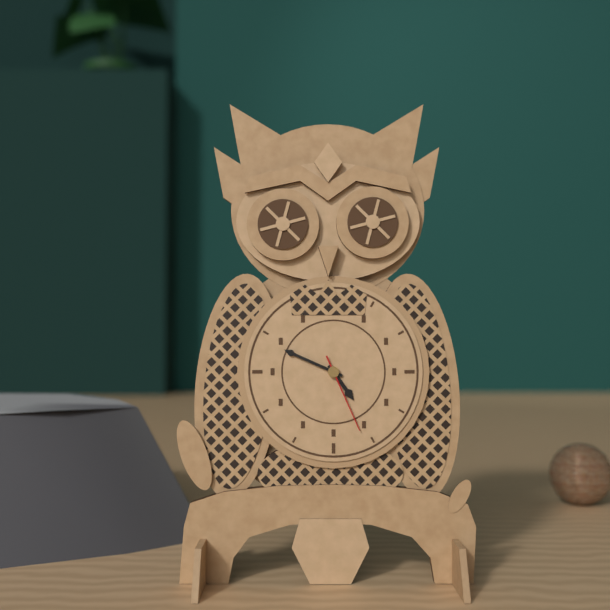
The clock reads 4:49:26
